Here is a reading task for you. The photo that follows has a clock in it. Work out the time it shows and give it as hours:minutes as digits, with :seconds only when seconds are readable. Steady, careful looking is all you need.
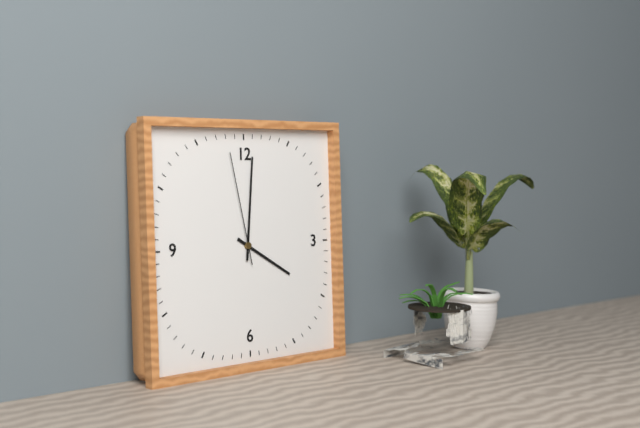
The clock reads 4:01:58
